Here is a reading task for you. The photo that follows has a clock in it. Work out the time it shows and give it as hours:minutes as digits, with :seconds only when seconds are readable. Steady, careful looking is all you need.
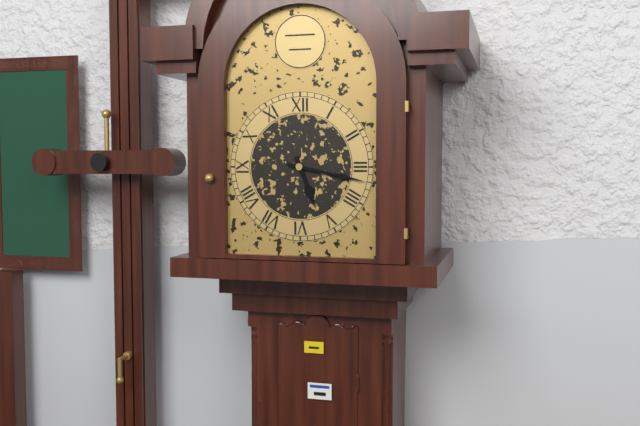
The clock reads 5:17
